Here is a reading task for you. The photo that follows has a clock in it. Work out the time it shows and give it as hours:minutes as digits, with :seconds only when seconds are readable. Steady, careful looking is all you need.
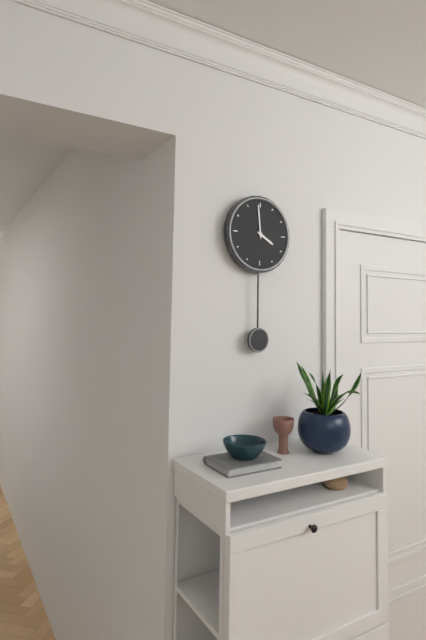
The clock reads 3:59
